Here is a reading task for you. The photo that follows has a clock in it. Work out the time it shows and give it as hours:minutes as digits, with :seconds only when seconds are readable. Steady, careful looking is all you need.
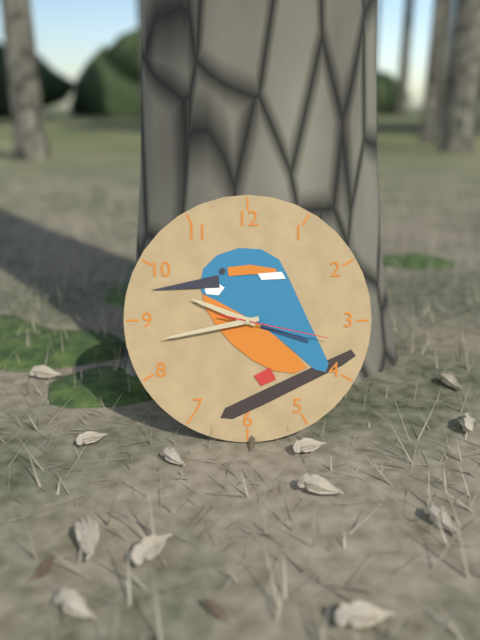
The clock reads 9:43:17
